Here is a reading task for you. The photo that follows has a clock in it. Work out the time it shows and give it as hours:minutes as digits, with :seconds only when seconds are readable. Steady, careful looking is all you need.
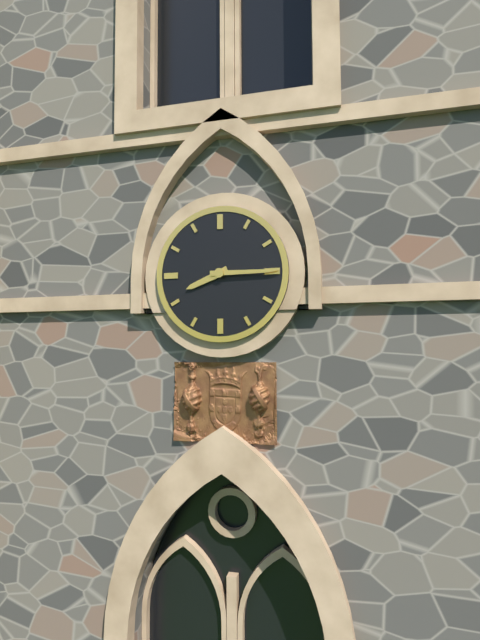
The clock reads 8:15
